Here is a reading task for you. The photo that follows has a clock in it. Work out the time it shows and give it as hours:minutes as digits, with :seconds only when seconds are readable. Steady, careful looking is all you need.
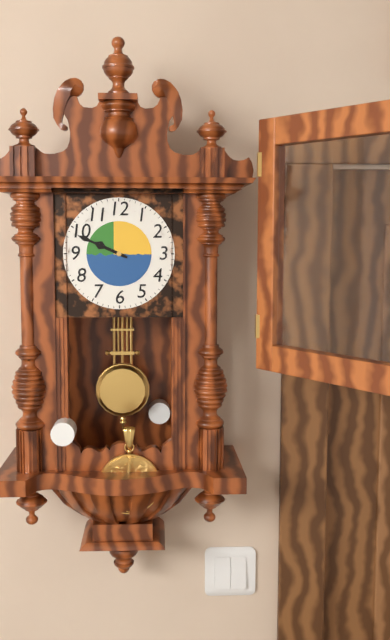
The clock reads 9:49
